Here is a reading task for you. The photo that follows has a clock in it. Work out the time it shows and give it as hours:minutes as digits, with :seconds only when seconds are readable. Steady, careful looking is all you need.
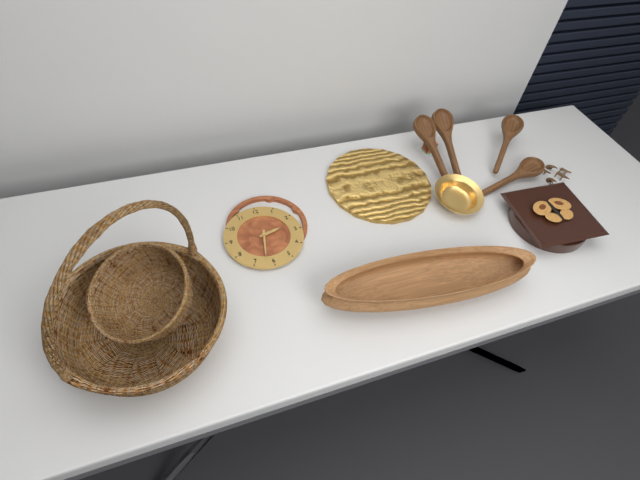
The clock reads 2:32
